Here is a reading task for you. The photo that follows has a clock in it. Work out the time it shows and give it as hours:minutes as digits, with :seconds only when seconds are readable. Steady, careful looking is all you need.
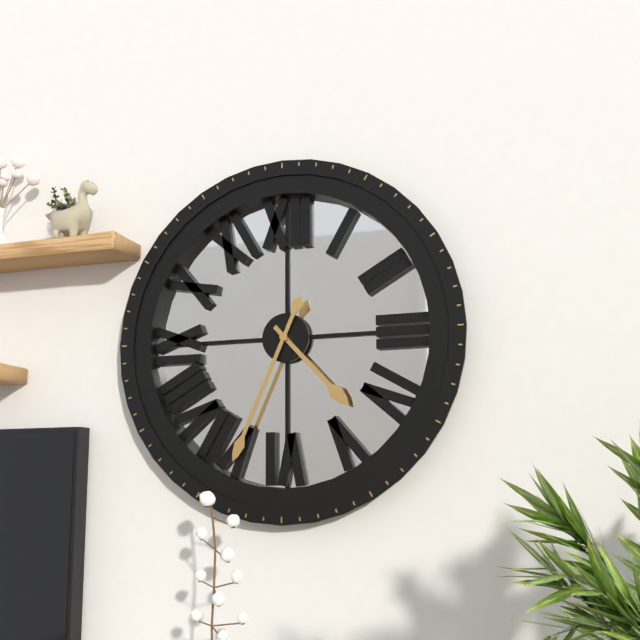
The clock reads 4:34
